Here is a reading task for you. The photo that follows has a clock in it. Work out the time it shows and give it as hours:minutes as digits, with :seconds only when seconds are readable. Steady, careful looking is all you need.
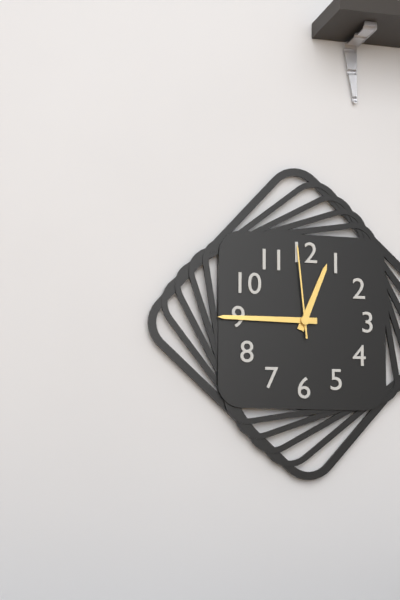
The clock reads 12:45:59
